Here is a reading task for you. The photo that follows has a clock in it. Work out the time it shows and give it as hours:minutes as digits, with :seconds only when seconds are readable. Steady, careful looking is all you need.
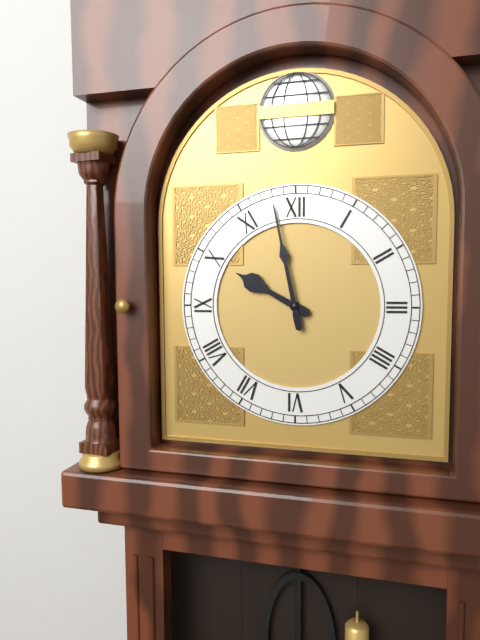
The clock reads 9:58
